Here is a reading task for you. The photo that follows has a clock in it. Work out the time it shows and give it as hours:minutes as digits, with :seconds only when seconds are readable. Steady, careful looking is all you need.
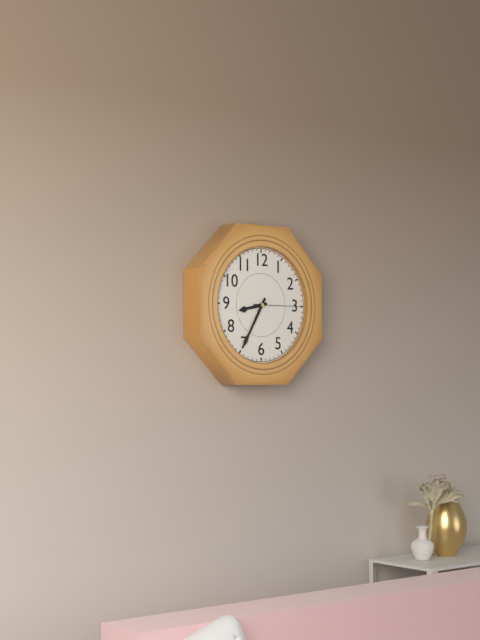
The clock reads 8:35:15
